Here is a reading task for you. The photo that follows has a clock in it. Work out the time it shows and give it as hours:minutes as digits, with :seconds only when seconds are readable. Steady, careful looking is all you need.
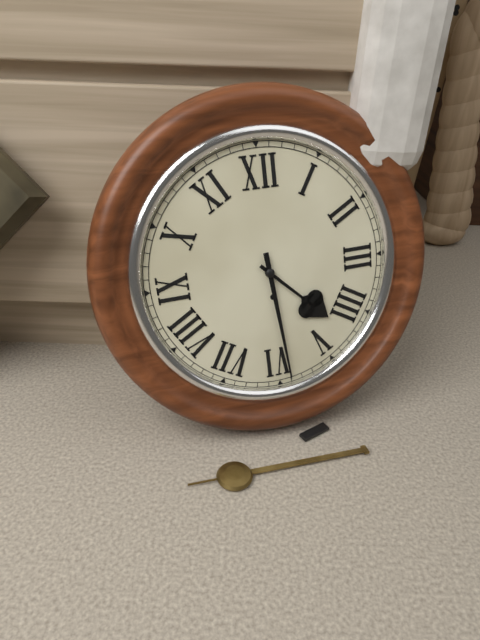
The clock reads 4:29
